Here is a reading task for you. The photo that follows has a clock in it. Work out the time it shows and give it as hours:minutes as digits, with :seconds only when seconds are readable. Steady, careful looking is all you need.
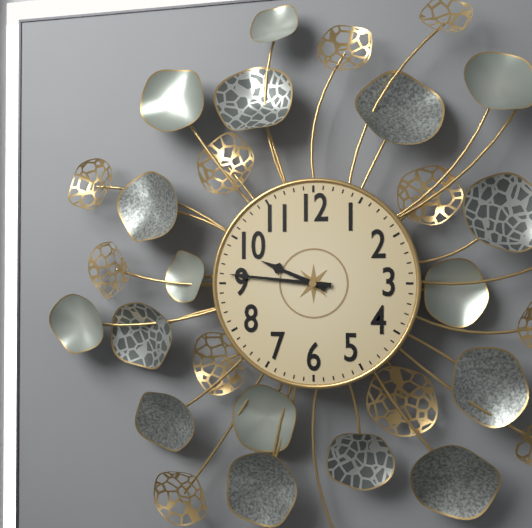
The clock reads 9:46
